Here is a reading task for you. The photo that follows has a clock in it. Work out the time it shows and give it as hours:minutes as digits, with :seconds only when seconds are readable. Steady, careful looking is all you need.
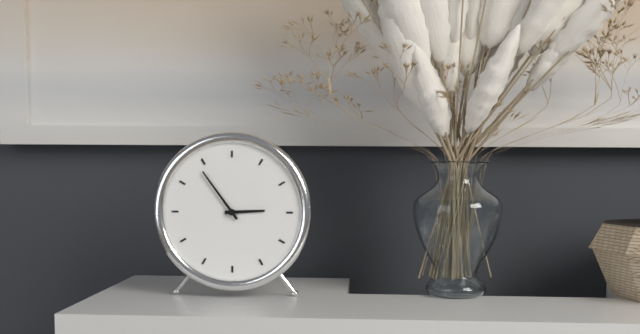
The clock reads 2:54
